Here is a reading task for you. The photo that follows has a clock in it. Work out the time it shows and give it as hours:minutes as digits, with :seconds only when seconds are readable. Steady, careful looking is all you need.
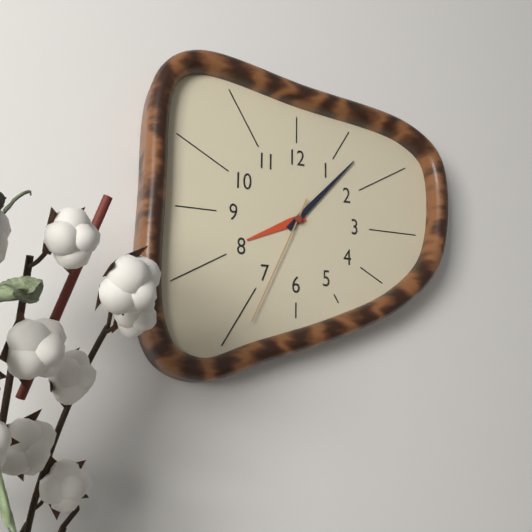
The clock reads 8:07:34
